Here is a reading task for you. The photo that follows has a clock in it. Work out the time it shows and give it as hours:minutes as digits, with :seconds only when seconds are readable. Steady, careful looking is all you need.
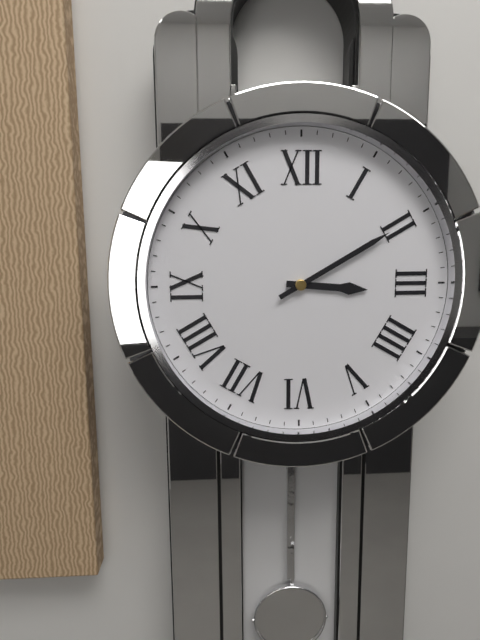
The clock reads 3:10
